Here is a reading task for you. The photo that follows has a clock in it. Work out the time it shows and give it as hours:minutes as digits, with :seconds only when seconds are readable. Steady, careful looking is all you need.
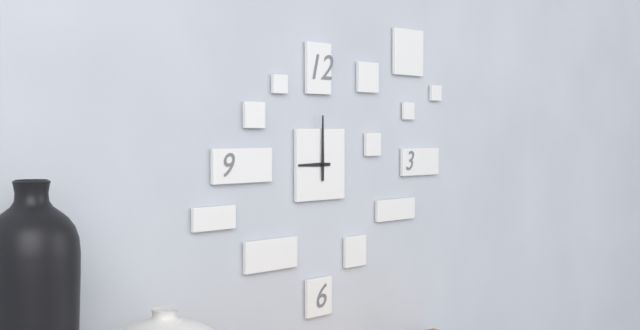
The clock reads 9:00
